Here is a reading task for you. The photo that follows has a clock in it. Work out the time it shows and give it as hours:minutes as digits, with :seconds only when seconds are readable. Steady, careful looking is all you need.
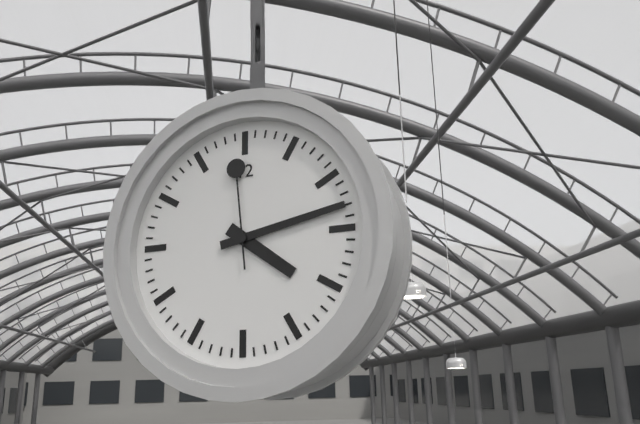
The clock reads 4:13:59
